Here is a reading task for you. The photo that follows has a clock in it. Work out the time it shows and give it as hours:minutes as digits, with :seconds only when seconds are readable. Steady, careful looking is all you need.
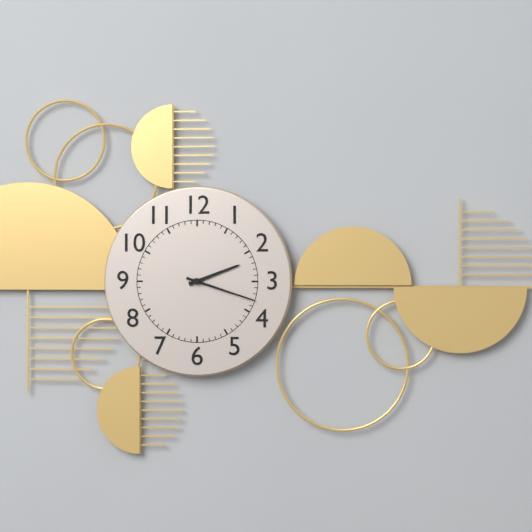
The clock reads 2:18
